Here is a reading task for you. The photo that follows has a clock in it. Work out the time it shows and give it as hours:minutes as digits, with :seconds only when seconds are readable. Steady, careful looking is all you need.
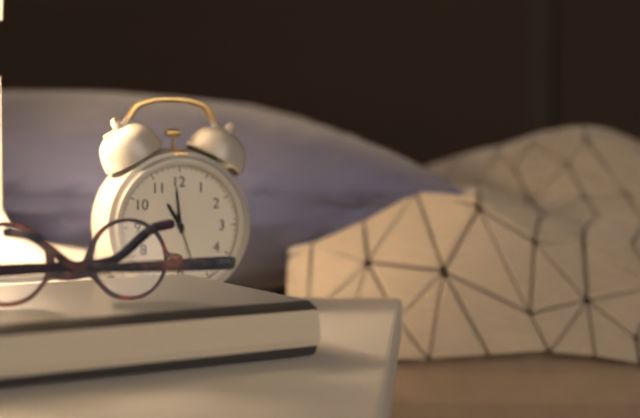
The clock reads 10:59:27
